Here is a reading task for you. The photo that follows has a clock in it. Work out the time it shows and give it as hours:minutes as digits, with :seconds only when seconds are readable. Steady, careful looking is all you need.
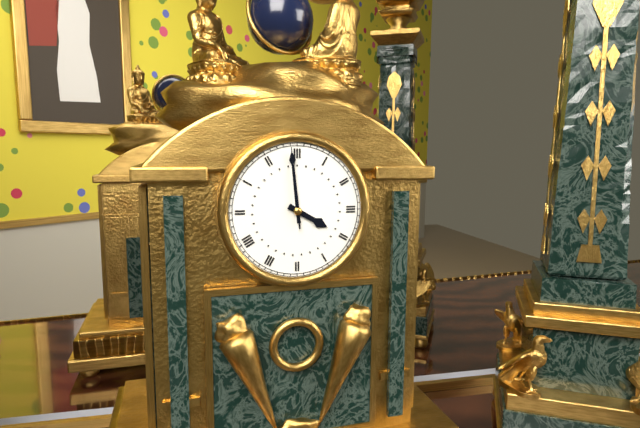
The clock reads 3:59:59
